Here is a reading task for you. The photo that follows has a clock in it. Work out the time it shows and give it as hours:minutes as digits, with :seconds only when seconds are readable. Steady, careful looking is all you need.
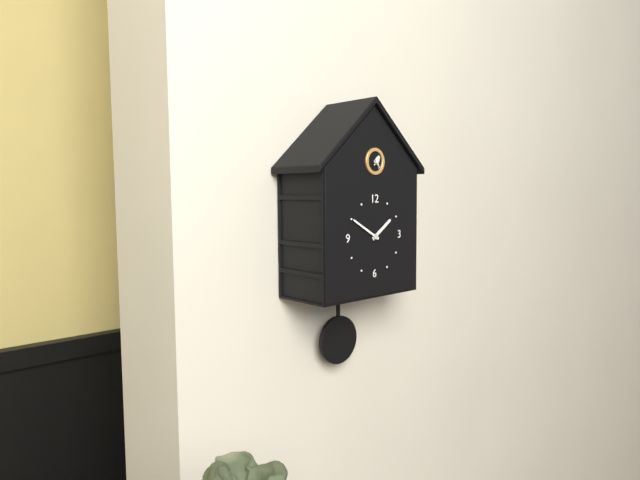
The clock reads 1:50
